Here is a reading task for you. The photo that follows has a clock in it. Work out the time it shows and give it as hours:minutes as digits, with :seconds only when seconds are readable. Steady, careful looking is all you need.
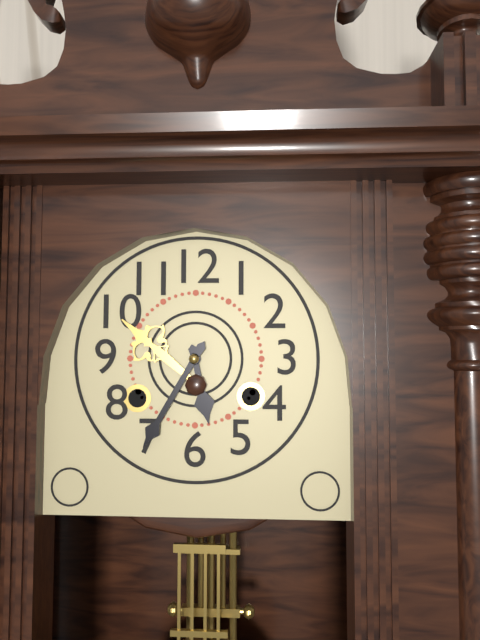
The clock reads 5:35
